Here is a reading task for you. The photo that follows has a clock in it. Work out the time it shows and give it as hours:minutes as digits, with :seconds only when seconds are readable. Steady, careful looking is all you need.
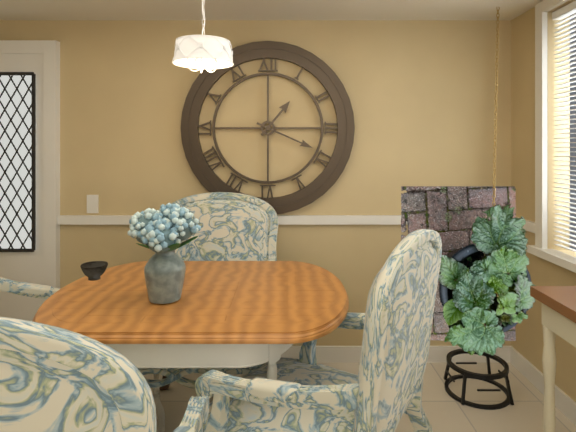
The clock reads 1:19
